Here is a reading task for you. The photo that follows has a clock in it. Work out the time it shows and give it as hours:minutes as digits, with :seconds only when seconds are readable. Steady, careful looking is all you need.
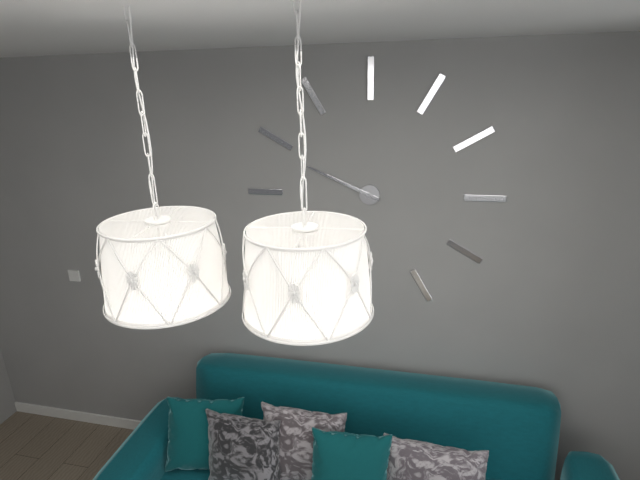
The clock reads 9:49
